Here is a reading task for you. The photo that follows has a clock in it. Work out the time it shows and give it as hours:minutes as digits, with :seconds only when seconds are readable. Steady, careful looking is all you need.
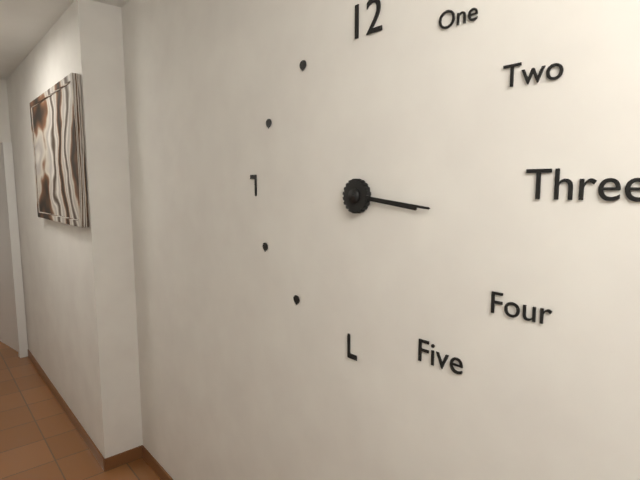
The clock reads 3:16
